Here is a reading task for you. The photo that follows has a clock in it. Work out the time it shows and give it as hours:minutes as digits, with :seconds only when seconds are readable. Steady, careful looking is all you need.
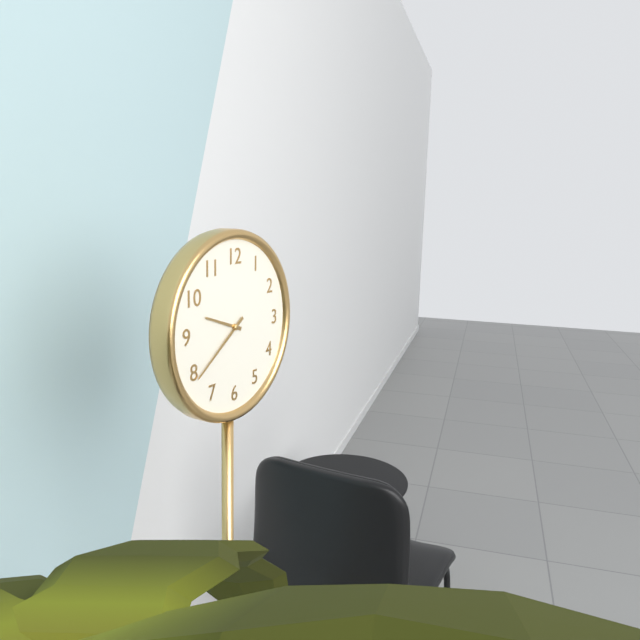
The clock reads 9:39
